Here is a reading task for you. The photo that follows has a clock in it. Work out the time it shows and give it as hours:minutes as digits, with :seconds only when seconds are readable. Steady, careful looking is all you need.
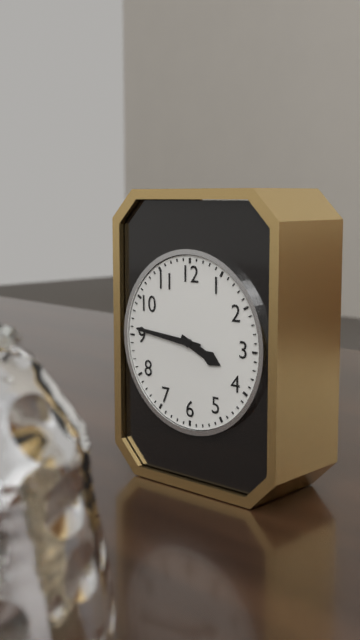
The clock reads 3:46
